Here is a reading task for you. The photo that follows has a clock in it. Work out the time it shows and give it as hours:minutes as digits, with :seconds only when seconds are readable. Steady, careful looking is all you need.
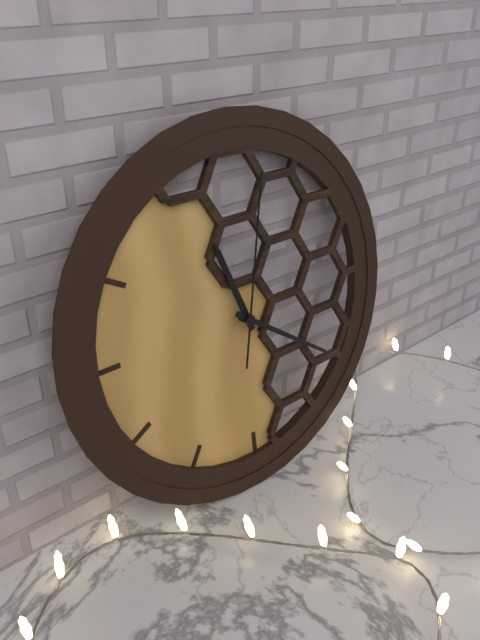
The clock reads 11:21:02
